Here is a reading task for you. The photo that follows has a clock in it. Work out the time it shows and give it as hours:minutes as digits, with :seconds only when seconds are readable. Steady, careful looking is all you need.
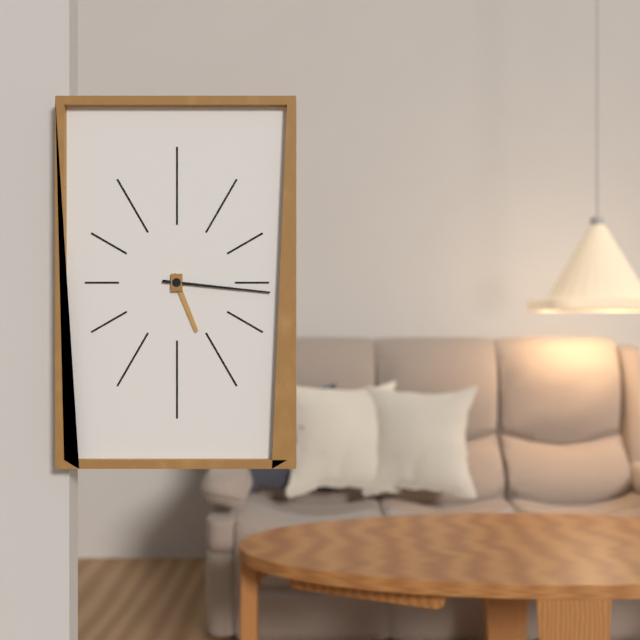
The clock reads 5:16
